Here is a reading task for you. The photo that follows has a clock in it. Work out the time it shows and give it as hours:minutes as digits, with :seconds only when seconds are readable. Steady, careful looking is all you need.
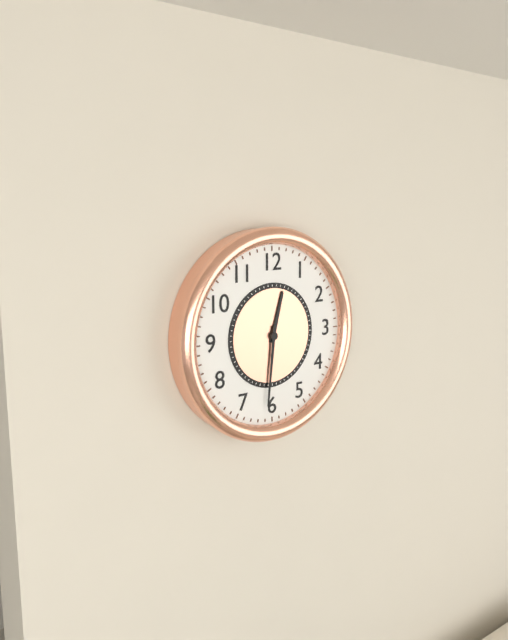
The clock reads 12:31
